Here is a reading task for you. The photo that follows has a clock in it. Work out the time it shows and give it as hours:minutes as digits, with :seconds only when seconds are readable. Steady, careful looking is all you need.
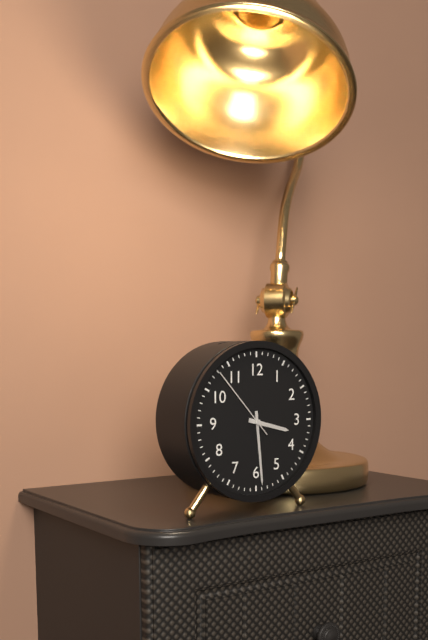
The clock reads 3:29:53
